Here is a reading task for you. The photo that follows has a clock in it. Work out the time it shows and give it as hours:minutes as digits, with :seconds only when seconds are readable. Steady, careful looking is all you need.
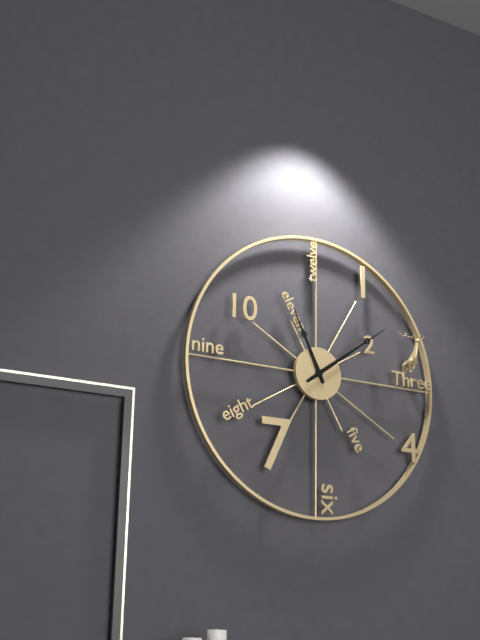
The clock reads 11:09
